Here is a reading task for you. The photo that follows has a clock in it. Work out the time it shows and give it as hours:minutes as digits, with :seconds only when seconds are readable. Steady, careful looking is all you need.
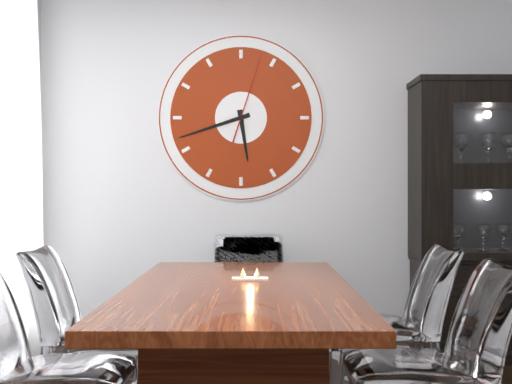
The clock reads 5:42:03
